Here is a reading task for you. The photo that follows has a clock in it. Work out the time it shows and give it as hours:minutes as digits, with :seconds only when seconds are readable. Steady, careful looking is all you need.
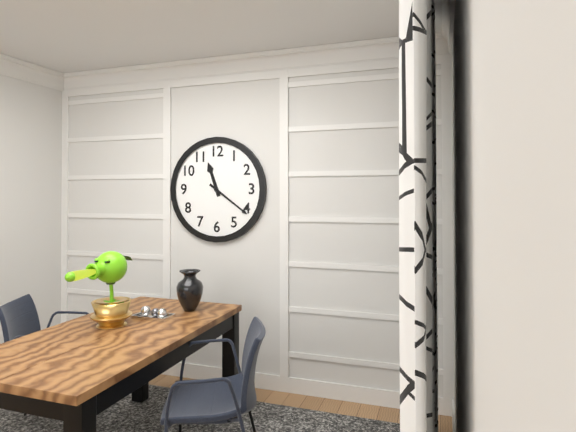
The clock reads 11:21
